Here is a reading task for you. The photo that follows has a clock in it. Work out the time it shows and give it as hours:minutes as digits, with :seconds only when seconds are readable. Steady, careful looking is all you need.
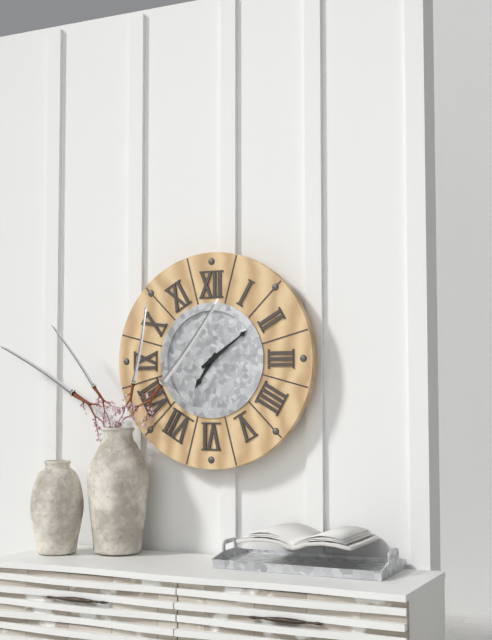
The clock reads 7:09
